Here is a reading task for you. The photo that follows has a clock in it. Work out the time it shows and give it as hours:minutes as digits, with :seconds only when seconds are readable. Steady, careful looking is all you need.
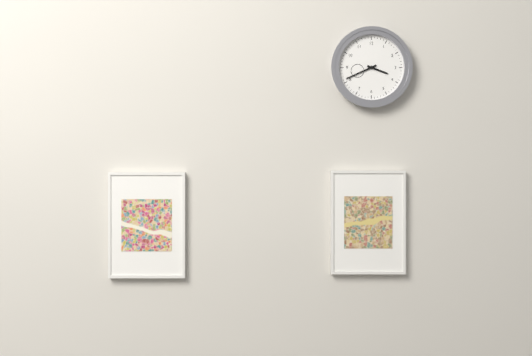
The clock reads 3:41
